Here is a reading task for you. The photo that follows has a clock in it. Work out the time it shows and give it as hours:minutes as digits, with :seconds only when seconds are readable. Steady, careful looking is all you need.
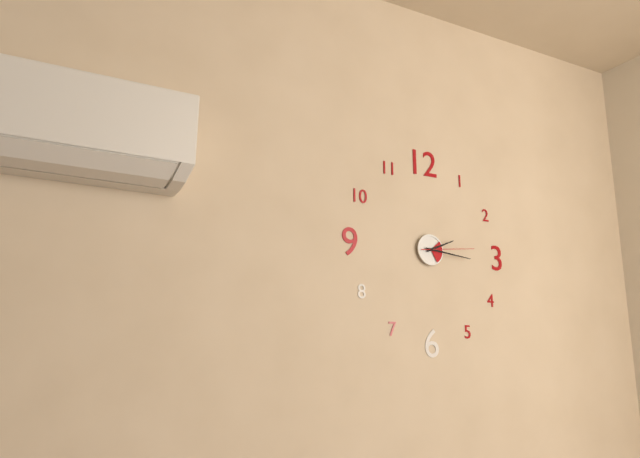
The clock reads 2:16:14
